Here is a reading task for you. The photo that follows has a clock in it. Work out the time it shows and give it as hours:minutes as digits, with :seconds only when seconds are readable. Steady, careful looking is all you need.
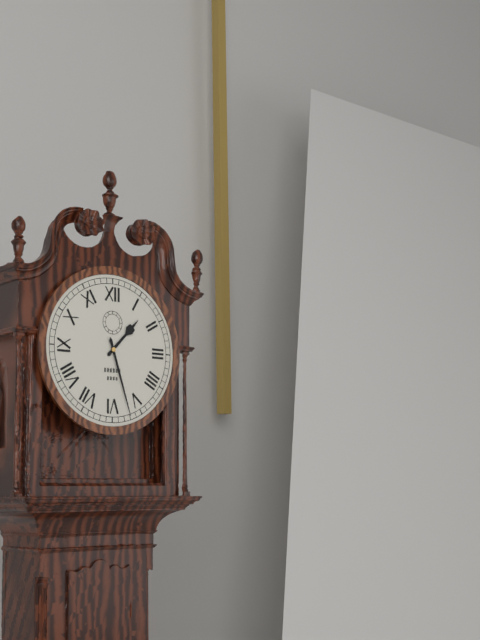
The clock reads 1:27
